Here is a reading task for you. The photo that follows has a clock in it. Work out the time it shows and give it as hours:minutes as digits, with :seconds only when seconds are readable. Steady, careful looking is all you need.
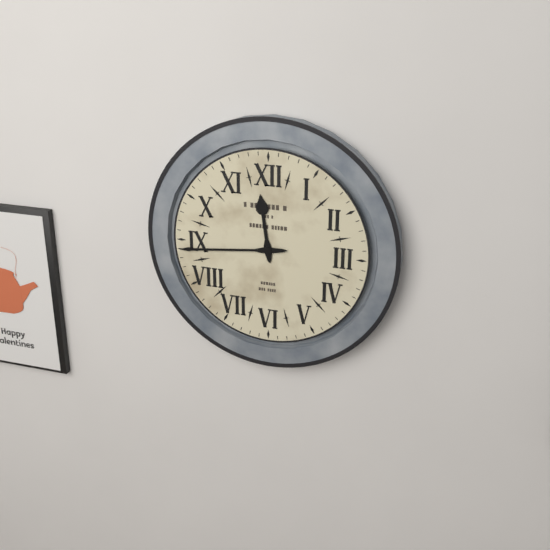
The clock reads 11:44
